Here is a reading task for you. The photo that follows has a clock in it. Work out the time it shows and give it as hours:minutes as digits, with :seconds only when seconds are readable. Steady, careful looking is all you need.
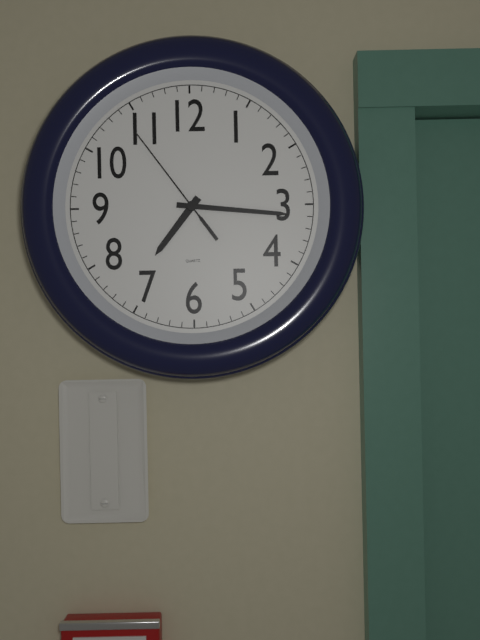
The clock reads 7:16:54
